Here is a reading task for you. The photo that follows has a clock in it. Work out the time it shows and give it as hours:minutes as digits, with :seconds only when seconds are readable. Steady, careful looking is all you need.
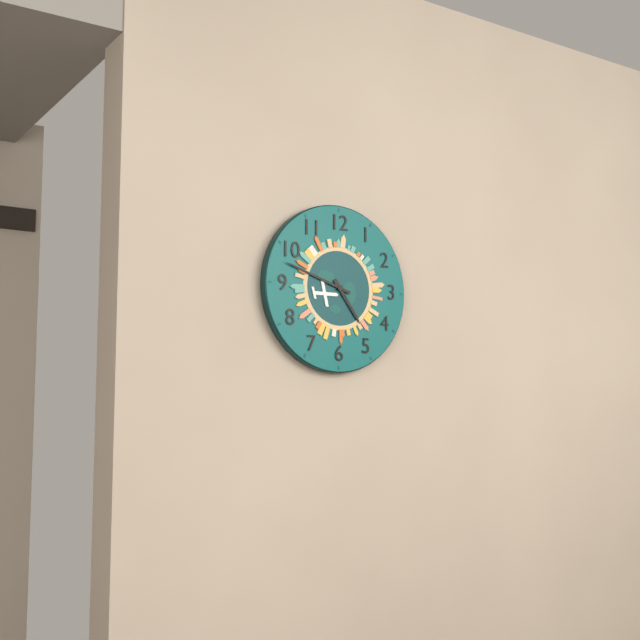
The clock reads 4:48
